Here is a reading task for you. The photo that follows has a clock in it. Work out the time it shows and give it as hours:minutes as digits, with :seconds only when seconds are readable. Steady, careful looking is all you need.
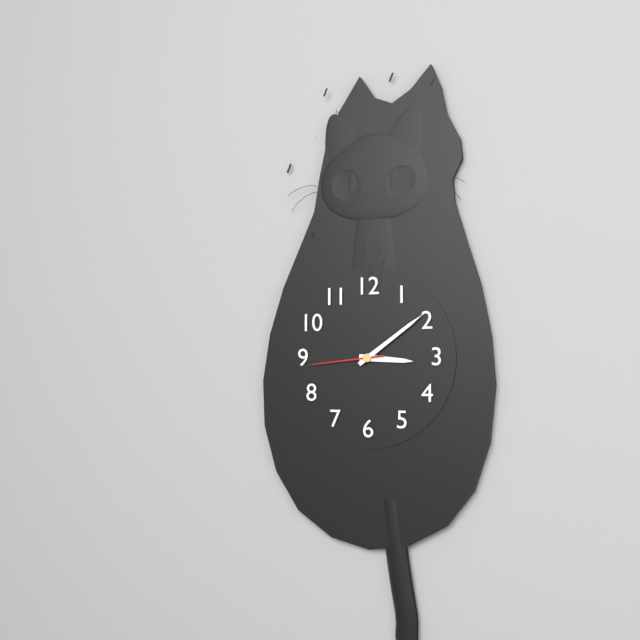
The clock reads 3:09:44
